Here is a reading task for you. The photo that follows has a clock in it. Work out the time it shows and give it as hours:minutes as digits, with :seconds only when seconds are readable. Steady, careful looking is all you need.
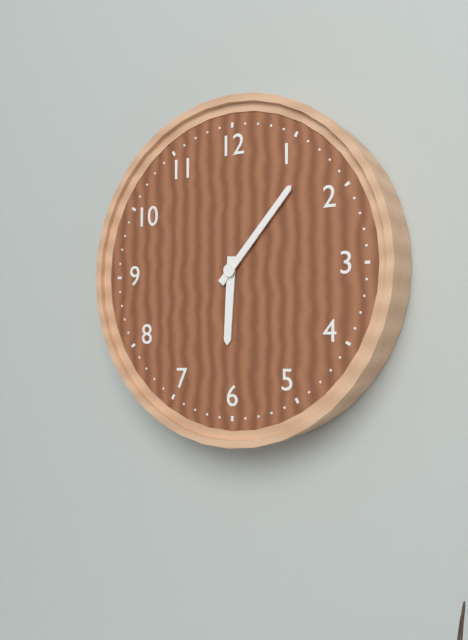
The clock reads 6:07
